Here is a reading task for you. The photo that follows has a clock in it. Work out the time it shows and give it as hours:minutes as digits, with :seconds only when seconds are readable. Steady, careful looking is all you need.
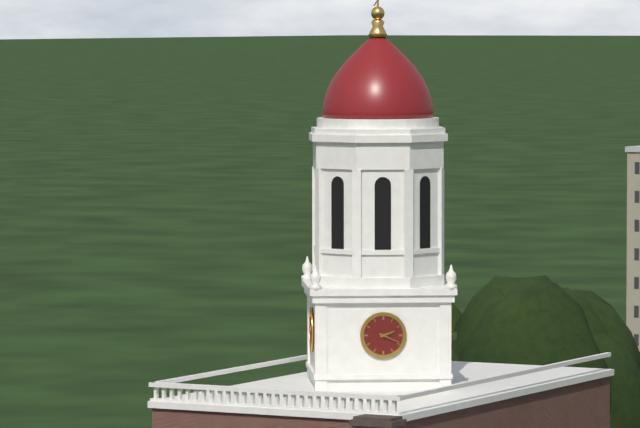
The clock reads 2:19
